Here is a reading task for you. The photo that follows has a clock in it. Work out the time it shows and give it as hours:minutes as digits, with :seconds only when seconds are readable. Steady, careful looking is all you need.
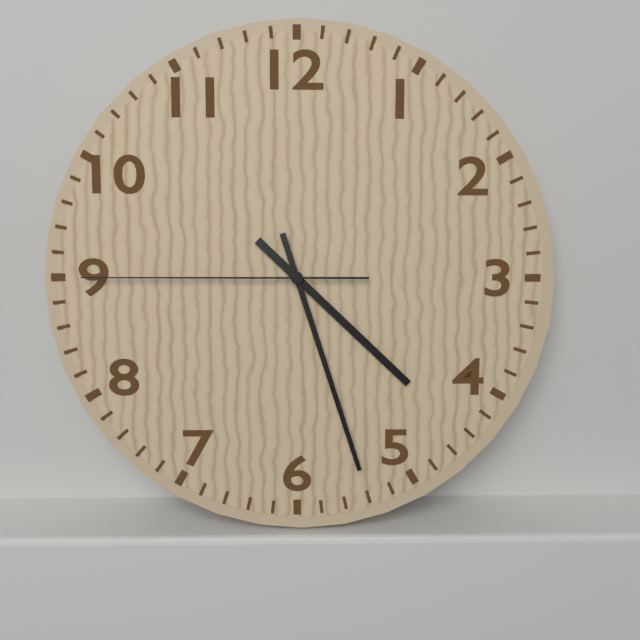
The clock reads 4:27:45
